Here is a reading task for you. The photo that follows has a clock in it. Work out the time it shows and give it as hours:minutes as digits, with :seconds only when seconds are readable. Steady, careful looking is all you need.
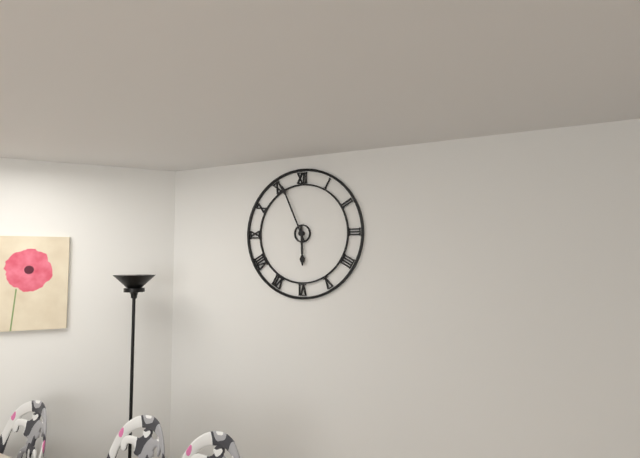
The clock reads 5:56
